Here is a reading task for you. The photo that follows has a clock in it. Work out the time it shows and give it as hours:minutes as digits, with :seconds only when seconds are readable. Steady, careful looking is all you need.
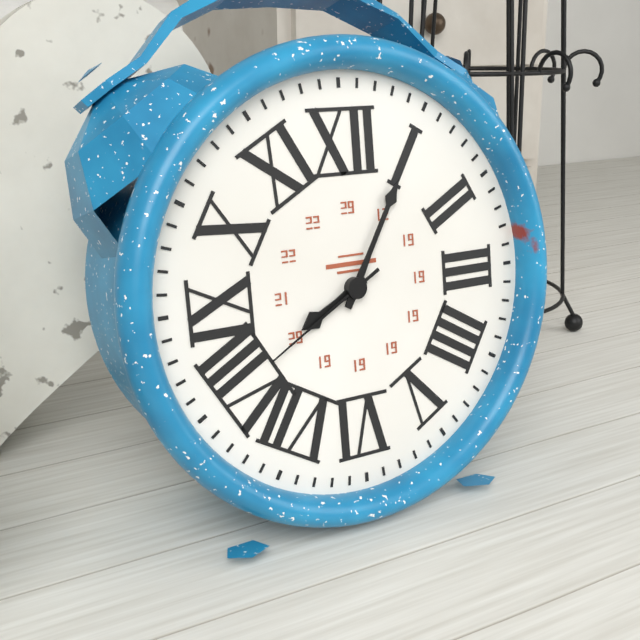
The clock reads 8:05:40
